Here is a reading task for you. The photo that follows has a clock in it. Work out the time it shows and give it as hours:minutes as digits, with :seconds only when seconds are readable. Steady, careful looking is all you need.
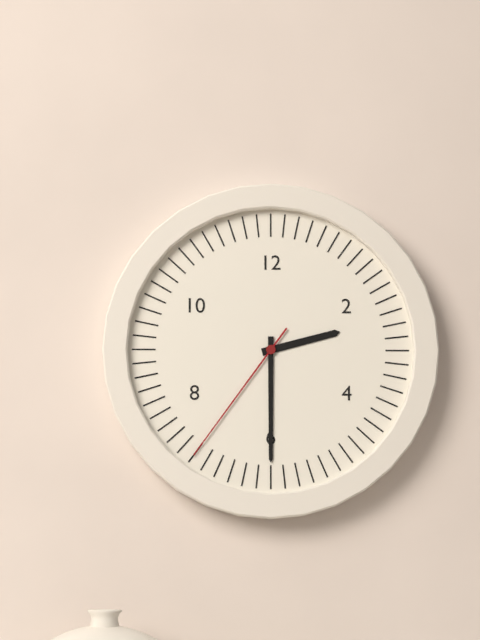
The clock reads 2:30:36
